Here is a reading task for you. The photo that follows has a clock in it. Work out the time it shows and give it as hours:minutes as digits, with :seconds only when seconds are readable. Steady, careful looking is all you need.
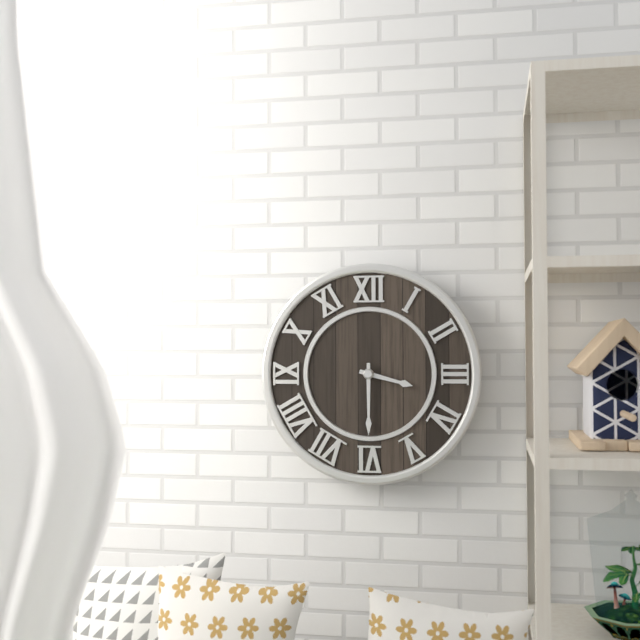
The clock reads 3:30
